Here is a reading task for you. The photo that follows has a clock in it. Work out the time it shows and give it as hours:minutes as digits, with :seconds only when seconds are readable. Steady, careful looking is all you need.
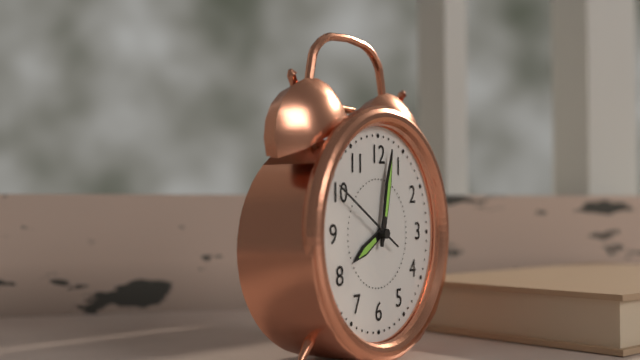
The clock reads 8:02:50
